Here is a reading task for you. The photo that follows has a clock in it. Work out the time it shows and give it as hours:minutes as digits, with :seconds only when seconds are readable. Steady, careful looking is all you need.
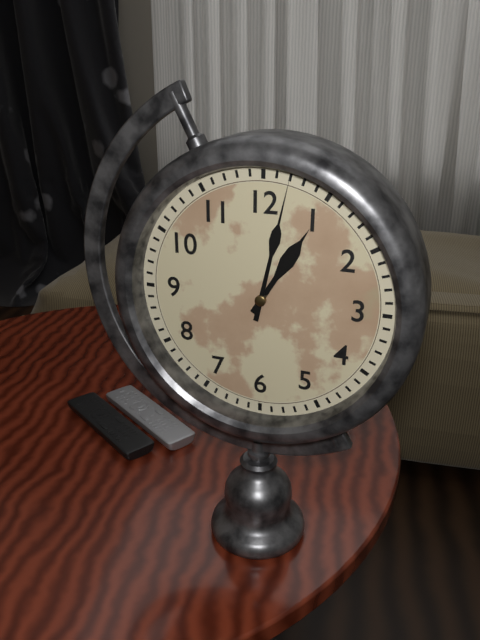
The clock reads 1:02
